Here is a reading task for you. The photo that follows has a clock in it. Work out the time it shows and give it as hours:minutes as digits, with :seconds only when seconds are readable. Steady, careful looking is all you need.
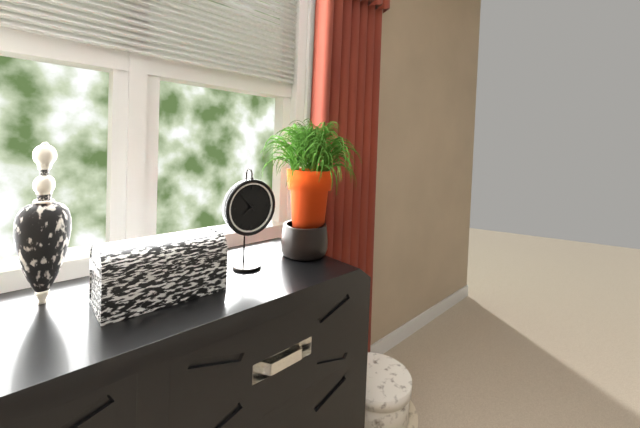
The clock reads 7:53
